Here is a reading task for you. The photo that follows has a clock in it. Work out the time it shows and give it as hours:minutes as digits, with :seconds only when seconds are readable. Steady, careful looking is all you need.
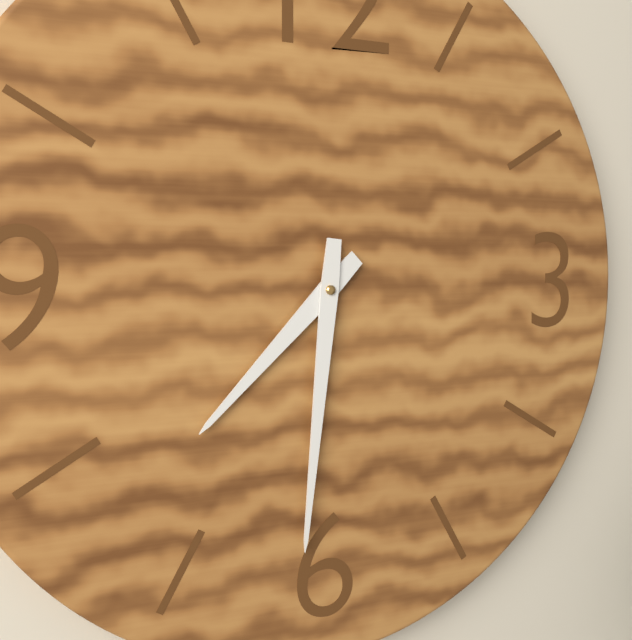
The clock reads 7:31
